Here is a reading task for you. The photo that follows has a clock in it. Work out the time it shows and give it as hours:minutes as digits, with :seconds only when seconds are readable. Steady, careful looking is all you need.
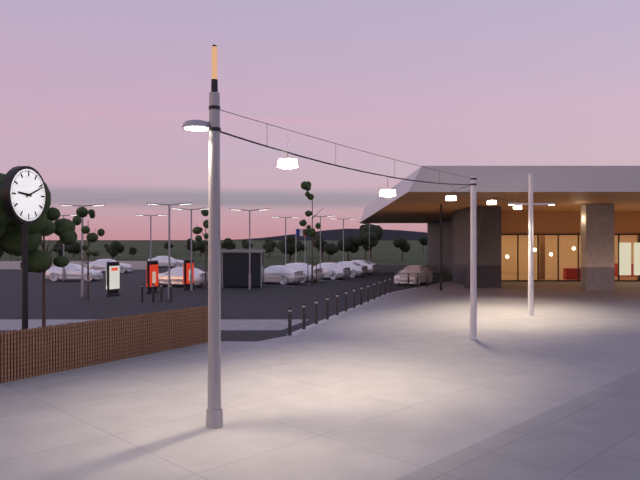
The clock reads 9:11
